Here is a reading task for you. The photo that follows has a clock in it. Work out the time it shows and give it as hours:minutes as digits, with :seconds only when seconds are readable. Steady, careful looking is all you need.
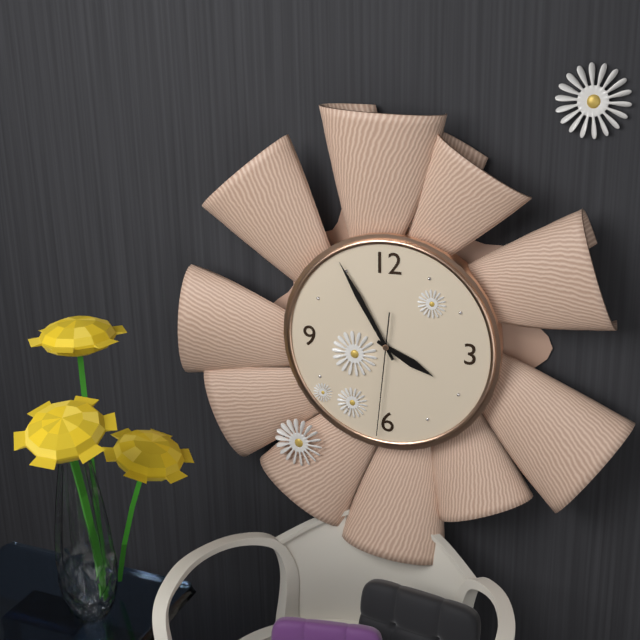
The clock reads 3:55:31
